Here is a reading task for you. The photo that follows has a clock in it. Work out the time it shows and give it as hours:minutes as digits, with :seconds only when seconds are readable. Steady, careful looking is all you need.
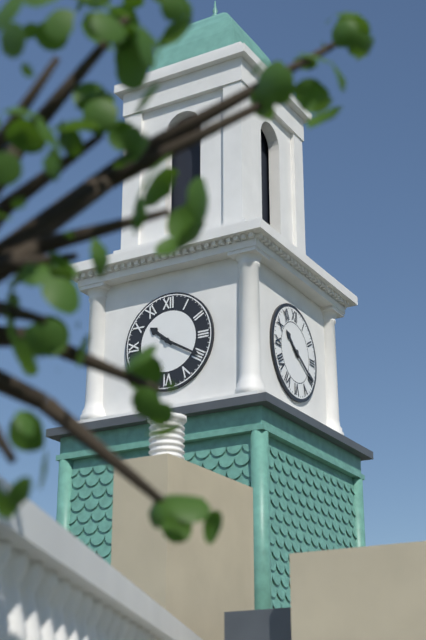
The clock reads 10:20
